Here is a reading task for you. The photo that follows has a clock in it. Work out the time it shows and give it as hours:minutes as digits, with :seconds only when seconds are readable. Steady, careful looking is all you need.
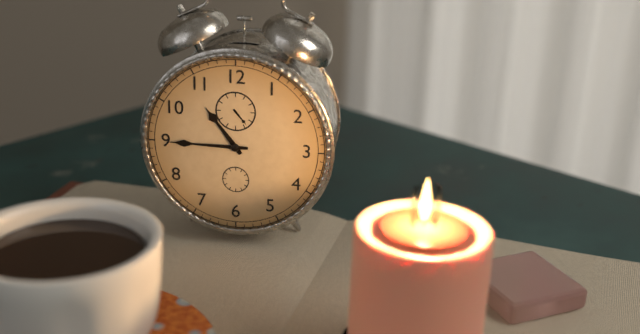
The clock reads 10:45
